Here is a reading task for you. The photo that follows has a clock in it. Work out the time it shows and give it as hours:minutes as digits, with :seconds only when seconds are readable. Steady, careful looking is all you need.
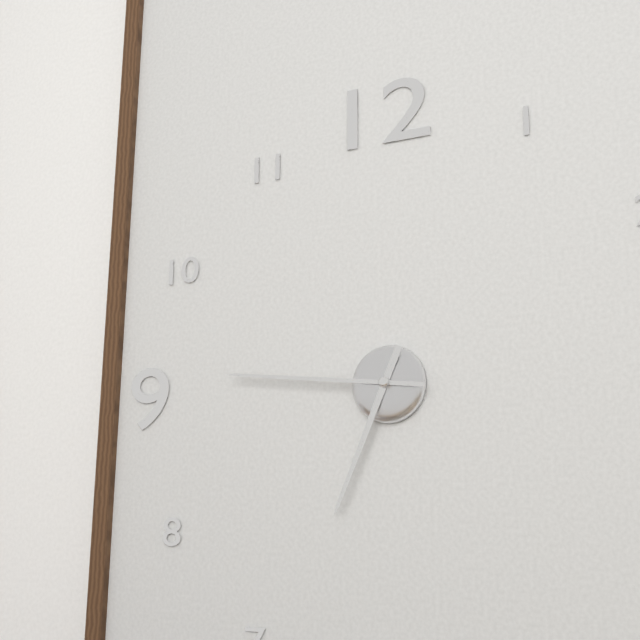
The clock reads 6:46
